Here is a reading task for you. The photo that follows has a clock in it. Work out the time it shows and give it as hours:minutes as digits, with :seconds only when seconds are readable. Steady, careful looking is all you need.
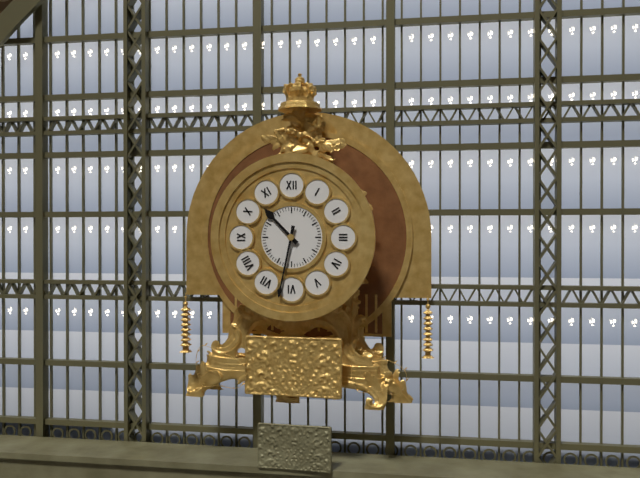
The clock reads 10:32
